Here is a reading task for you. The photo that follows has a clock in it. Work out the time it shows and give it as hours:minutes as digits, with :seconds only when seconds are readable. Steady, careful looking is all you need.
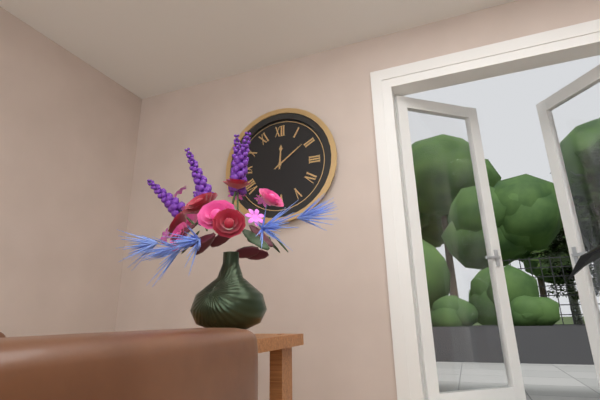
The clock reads 12:09
